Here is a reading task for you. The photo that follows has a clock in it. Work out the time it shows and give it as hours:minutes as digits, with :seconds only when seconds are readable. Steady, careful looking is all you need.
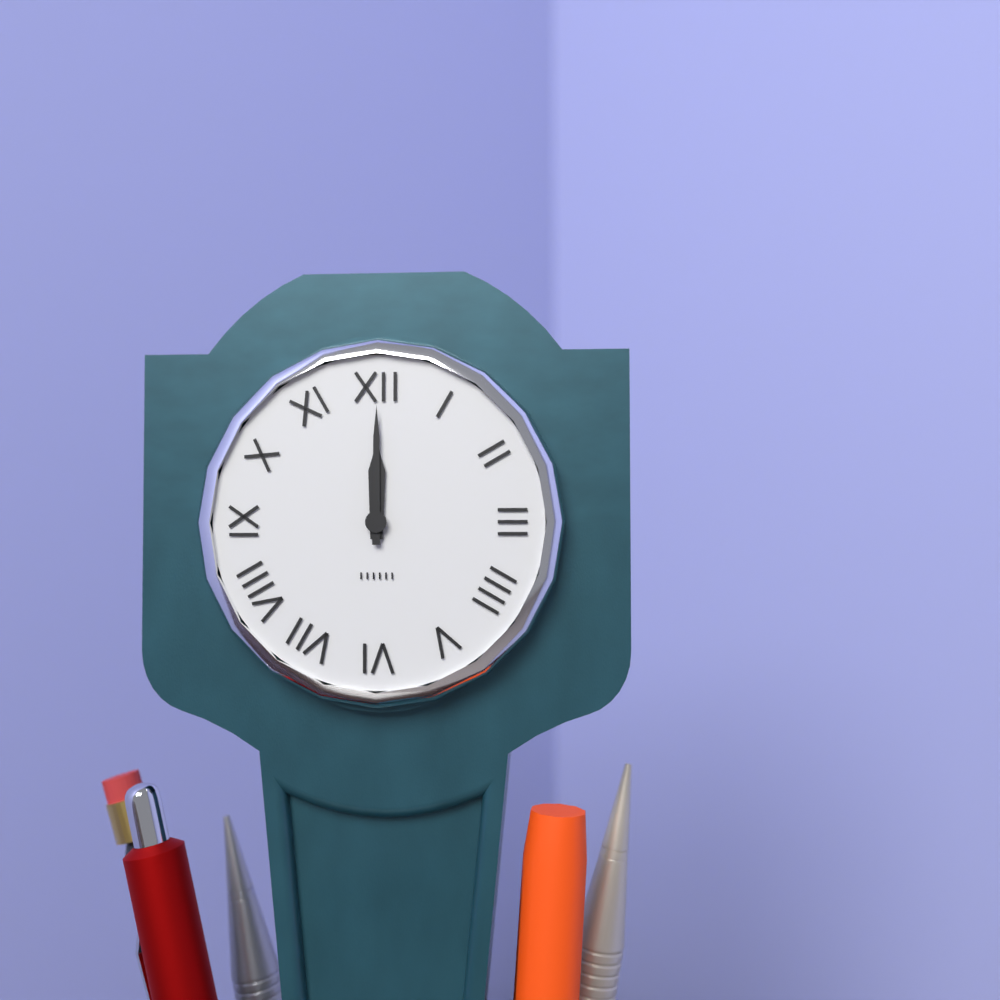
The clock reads 12:00
